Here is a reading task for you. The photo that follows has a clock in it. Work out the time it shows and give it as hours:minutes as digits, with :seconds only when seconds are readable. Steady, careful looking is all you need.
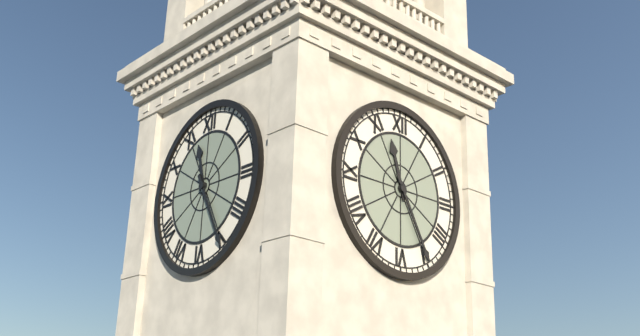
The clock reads 11:25
